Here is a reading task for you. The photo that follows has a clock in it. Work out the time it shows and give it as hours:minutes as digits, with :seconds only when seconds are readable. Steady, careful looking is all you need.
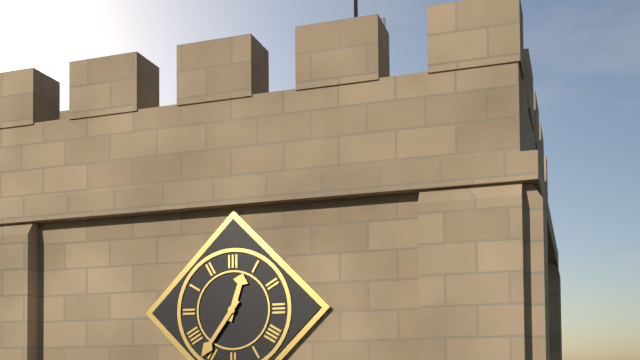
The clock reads 12:36
